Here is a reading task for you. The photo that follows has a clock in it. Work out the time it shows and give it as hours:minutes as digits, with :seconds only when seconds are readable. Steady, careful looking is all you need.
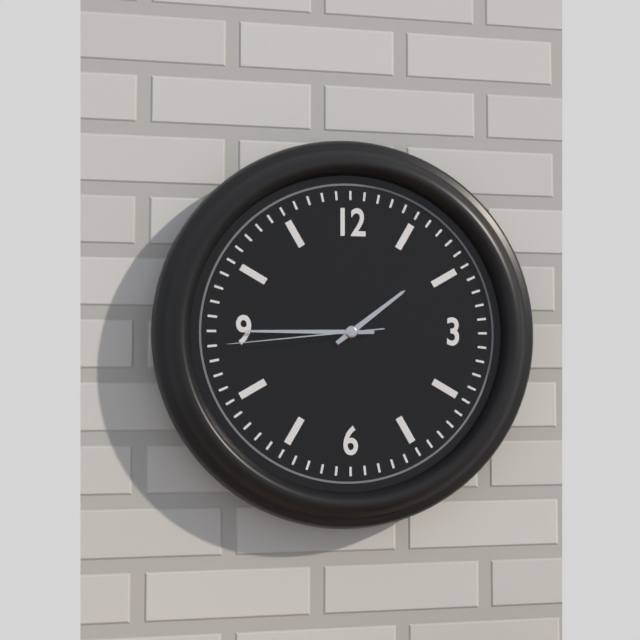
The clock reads 1:45:44
